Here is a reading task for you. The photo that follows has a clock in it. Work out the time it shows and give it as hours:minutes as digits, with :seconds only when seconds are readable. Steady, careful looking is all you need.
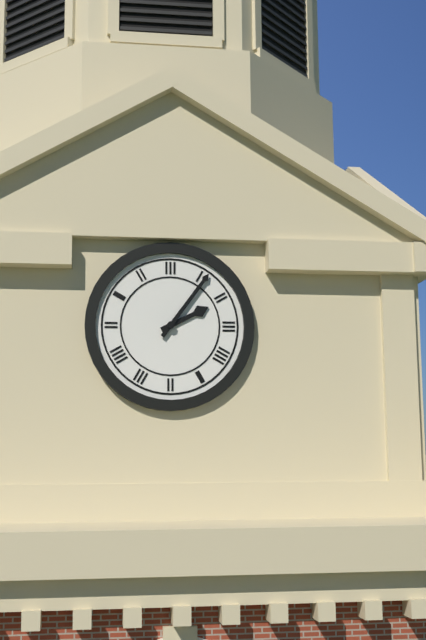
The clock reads 2:06
